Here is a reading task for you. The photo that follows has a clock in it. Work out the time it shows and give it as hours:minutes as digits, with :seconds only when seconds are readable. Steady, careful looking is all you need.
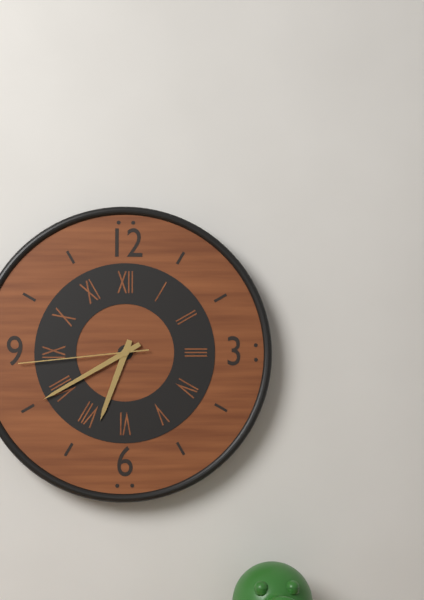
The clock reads 6:40:44
